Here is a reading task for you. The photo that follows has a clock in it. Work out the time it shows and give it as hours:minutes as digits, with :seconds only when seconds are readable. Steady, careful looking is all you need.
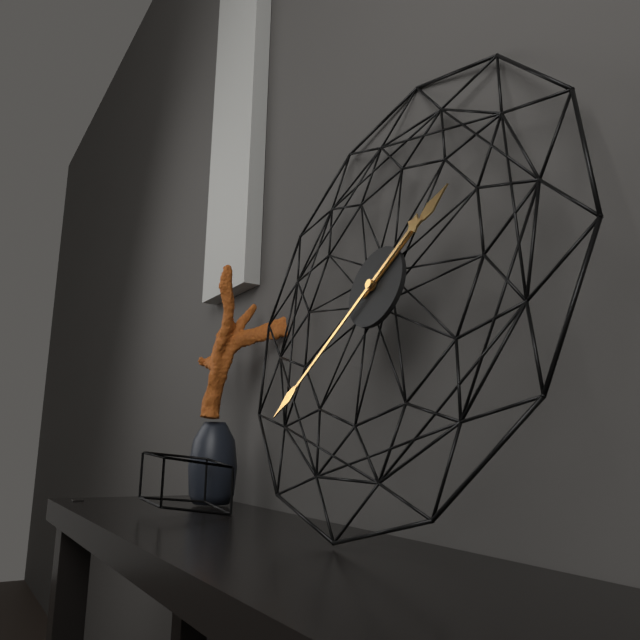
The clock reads 1:38
